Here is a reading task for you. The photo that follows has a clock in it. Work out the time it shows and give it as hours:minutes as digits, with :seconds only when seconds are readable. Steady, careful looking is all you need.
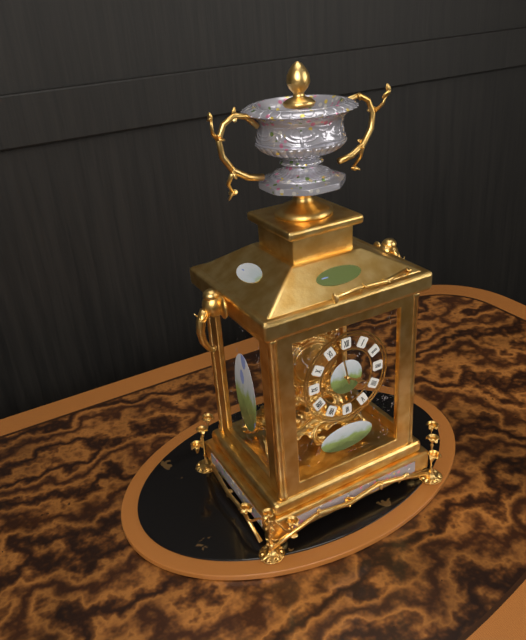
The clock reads 3:58
